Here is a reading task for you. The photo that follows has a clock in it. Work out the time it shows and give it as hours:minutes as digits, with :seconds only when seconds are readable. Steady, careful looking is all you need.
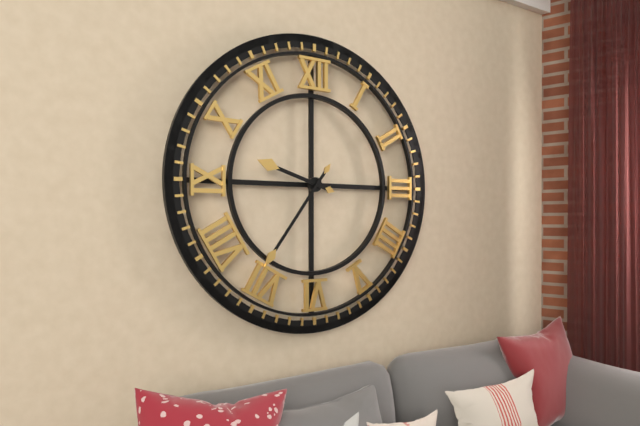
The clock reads 9:36
